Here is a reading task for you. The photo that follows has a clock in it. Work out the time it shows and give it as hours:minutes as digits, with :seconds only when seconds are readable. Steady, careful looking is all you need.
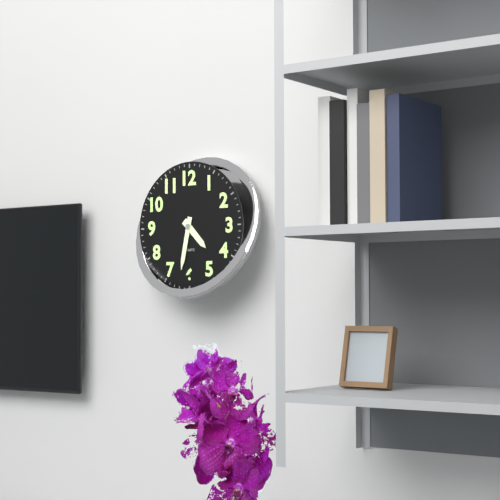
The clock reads 4:32
